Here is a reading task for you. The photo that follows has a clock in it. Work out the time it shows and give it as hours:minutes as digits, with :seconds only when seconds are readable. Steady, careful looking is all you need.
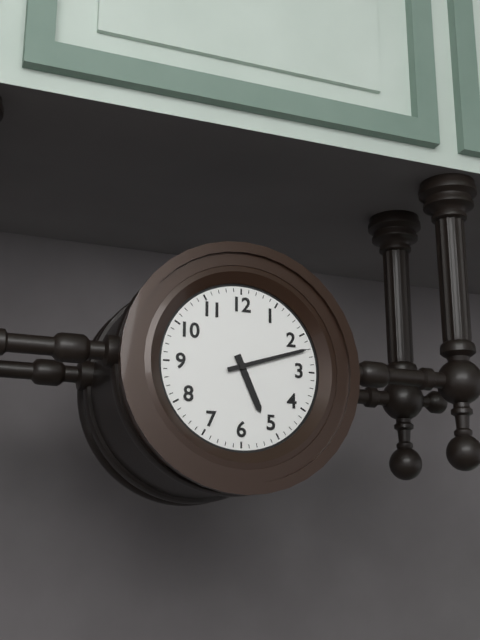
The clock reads 5:12
